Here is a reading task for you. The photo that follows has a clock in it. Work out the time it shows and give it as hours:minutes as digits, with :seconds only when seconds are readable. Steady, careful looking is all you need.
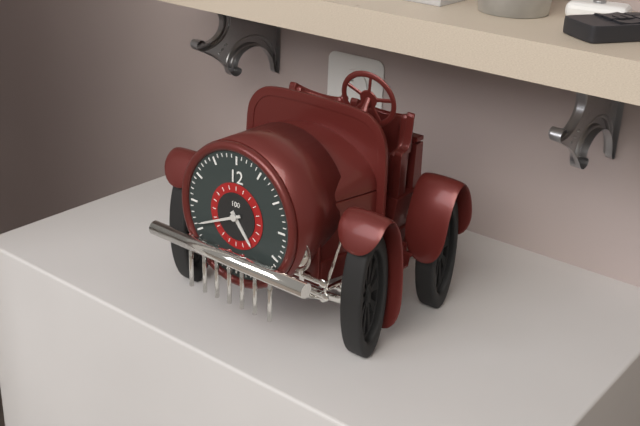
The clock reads 4:41
